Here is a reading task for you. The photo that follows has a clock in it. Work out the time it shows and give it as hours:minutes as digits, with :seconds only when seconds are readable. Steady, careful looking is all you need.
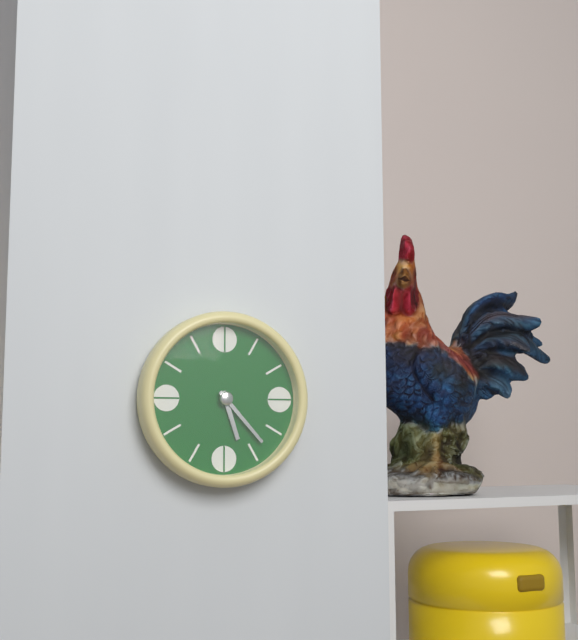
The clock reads 5:23
